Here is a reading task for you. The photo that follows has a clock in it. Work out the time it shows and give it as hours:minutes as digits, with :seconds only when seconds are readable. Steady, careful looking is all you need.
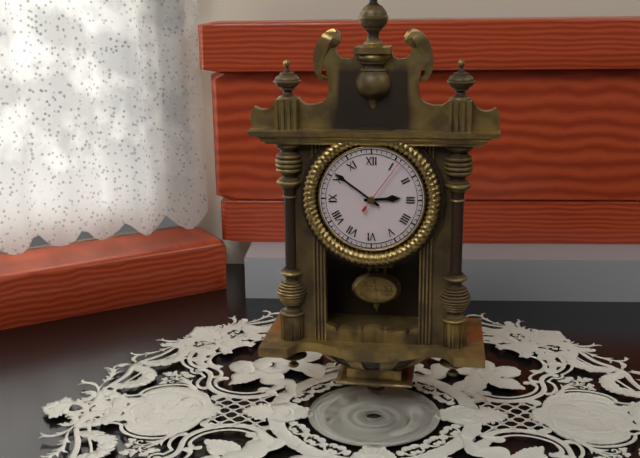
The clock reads 2:51:06
